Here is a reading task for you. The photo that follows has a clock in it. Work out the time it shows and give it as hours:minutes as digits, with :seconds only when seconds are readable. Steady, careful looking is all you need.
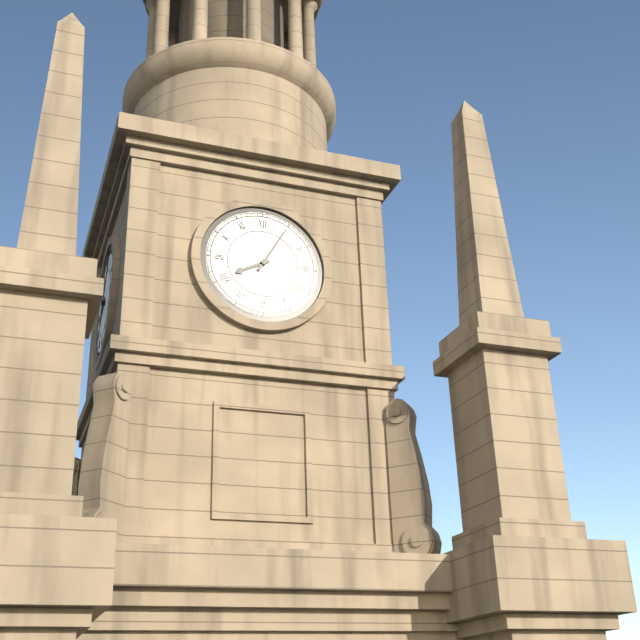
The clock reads 8:05
